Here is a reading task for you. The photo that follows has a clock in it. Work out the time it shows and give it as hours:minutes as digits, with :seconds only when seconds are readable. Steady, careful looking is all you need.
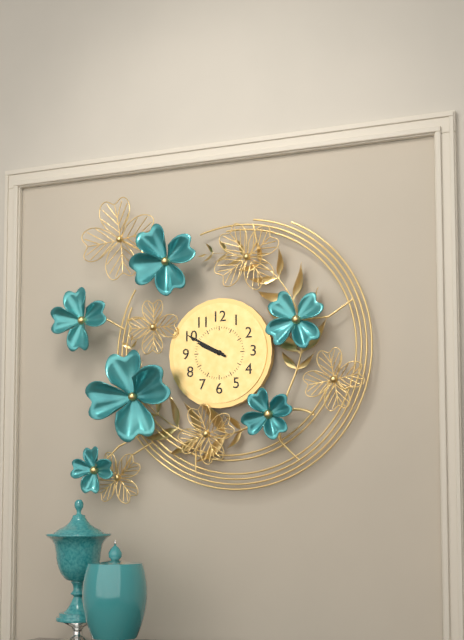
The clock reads 9:50
